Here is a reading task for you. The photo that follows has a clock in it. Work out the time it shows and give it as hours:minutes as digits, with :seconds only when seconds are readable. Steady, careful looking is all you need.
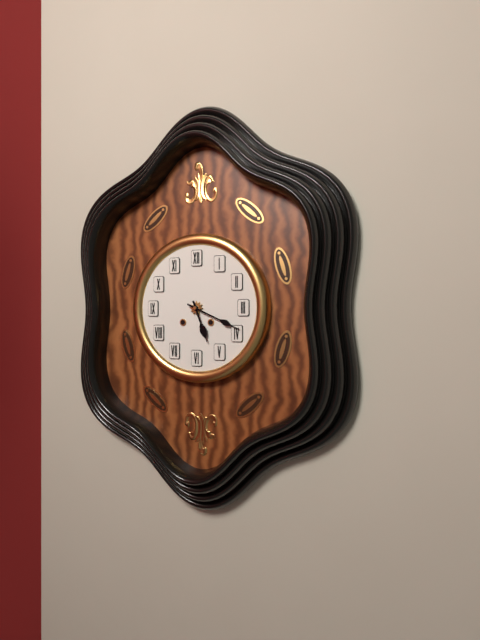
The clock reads 5:19
